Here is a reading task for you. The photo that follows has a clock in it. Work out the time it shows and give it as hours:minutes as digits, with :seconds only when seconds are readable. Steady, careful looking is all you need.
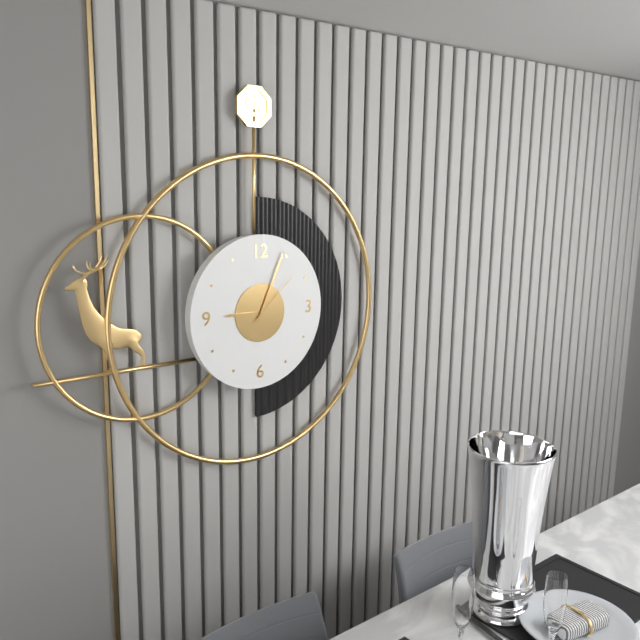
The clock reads 9:04:08
